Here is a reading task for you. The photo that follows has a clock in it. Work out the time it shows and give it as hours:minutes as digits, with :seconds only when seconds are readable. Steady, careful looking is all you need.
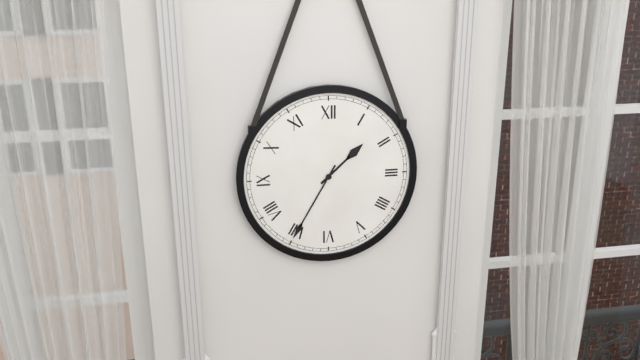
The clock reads 1:35
